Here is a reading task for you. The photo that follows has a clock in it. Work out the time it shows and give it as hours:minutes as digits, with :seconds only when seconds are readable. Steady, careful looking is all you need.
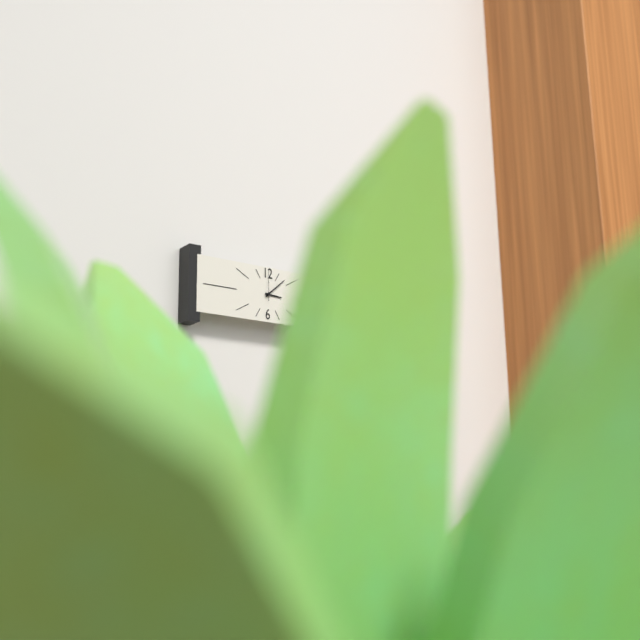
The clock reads 3:08
